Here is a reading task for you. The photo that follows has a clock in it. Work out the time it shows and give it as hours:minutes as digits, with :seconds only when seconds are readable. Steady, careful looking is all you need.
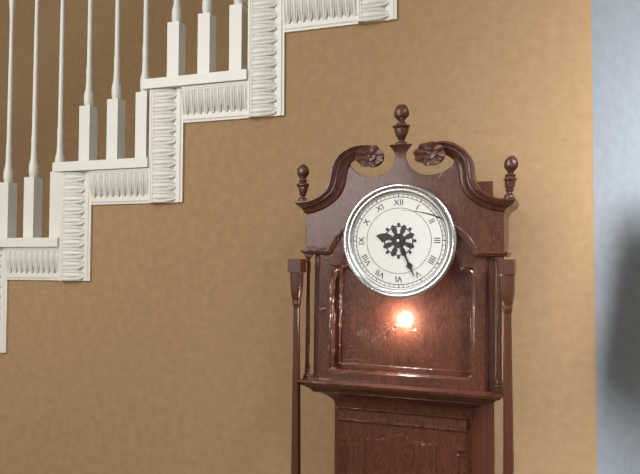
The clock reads 9:26
